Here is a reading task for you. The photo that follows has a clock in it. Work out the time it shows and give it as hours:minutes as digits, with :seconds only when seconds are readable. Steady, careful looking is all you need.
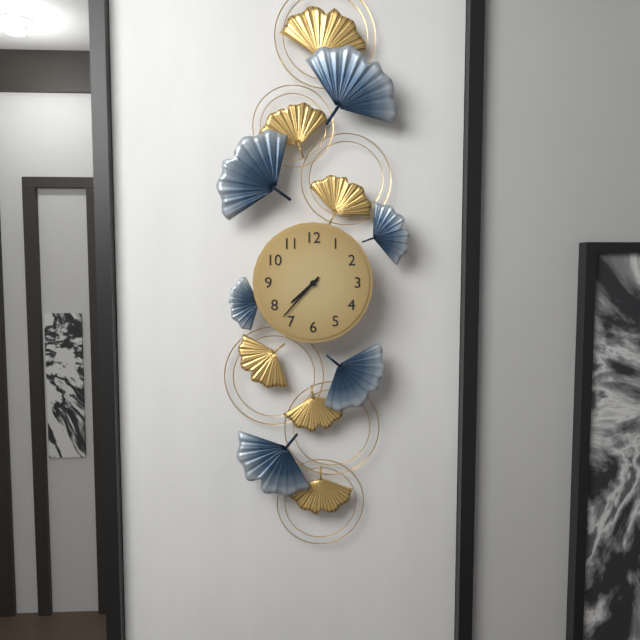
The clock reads 7:37
